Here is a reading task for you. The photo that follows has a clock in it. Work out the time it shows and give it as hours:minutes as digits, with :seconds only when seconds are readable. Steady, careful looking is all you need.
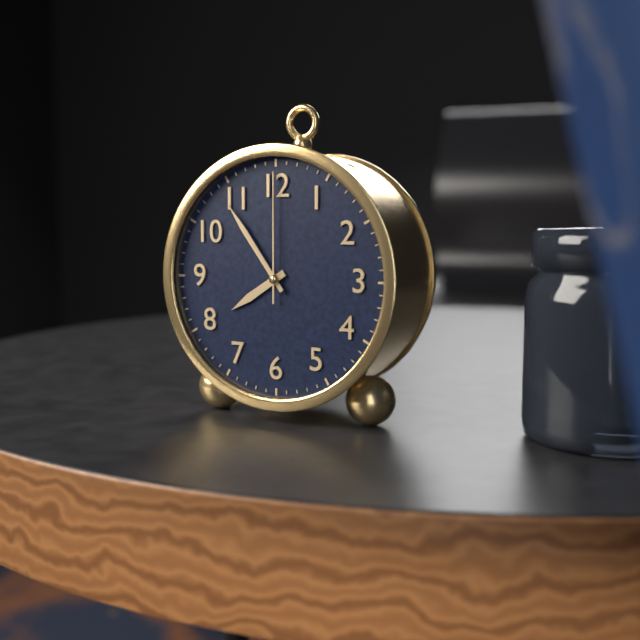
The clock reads 7:54:00
